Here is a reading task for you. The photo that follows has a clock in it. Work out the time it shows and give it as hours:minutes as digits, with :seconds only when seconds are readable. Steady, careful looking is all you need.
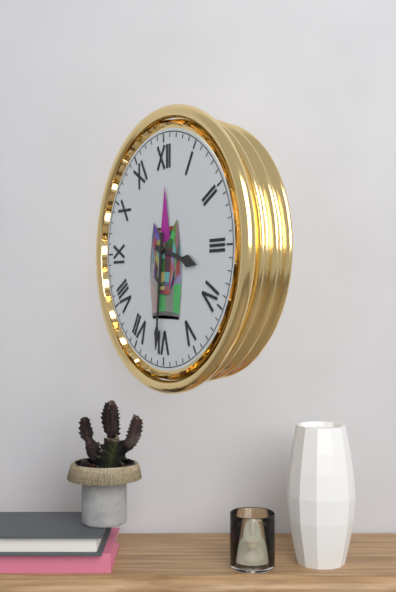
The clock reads 3:31
